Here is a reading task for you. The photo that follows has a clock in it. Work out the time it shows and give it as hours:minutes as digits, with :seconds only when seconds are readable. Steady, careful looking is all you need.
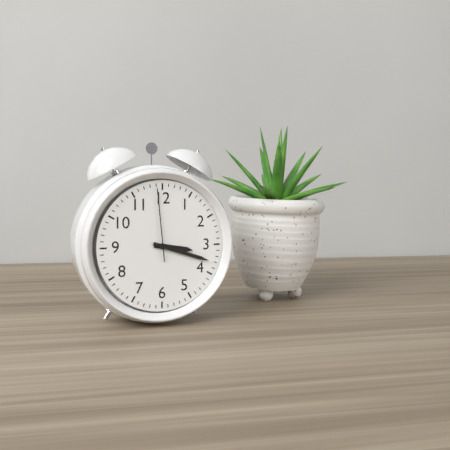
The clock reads 3:18:59
